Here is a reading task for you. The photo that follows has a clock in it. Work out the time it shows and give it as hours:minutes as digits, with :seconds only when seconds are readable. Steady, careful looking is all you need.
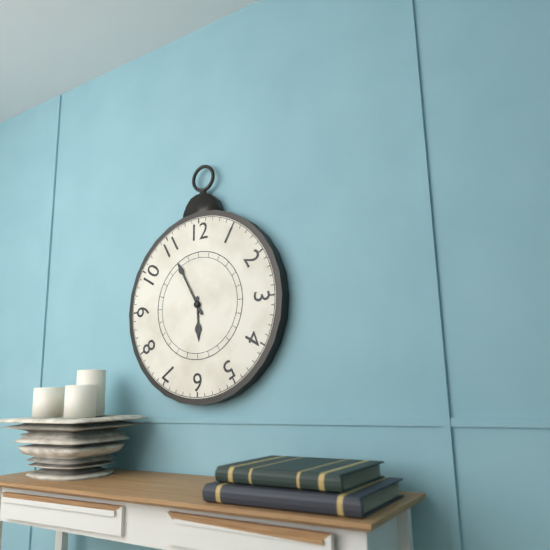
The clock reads 5:55
